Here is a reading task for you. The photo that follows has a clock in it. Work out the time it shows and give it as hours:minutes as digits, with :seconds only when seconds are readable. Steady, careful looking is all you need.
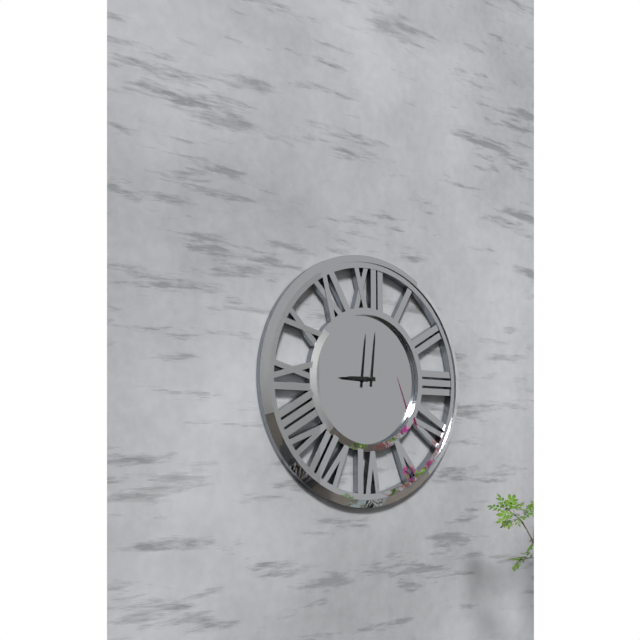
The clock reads 9:01
